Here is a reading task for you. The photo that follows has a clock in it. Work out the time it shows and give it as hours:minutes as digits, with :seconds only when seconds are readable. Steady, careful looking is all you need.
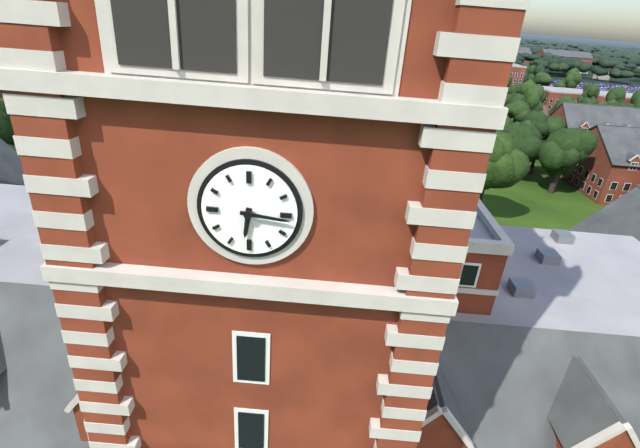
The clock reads 6:16
